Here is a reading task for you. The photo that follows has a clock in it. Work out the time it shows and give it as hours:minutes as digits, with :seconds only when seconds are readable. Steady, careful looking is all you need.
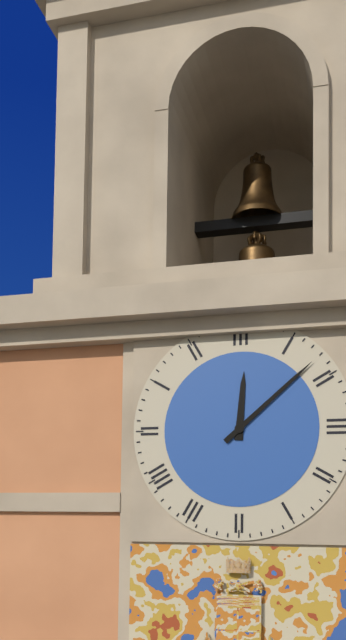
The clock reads 12:08
